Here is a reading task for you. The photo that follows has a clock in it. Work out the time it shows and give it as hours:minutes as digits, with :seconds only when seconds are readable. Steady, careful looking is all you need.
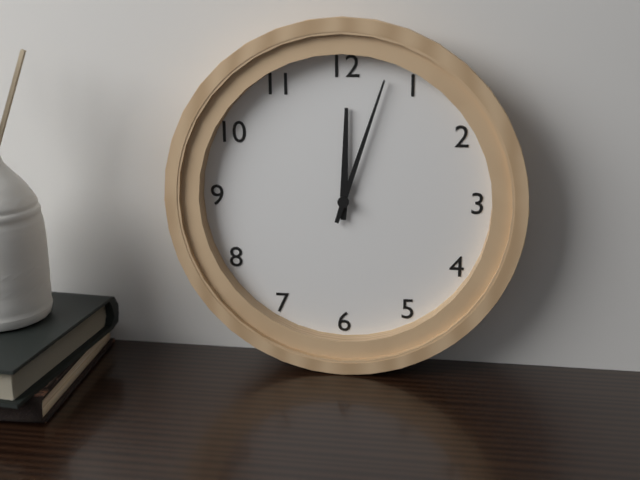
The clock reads 12:03
